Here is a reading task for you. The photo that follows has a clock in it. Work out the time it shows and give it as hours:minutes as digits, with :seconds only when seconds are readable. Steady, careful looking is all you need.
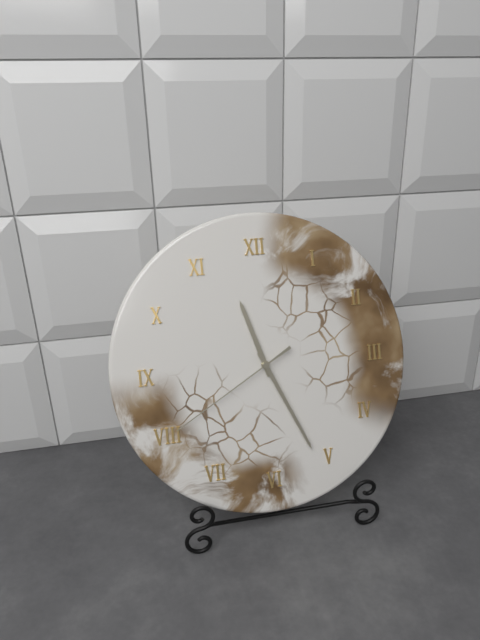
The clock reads 11:26:40
